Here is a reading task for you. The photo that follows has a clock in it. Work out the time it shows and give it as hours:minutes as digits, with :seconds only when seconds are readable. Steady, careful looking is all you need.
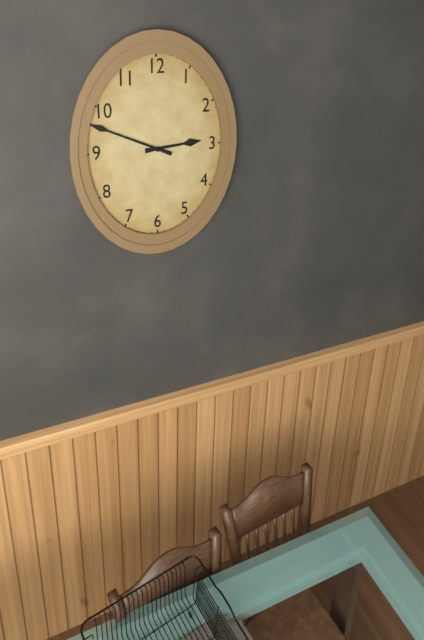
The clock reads 2:49
